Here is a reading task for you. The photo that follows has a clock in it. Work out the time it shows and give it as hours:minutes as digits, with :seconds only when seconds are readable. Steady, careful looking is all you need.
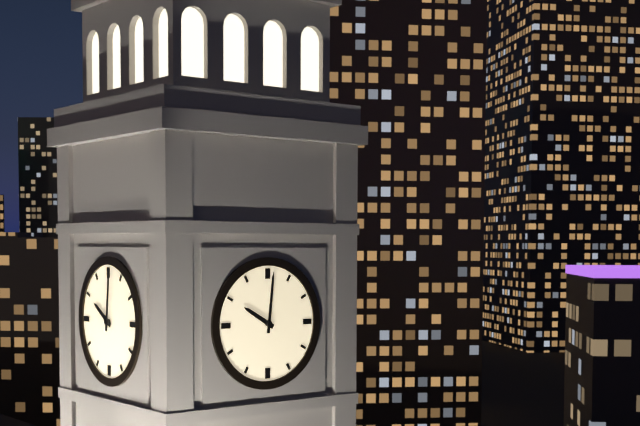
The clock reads 10:01
